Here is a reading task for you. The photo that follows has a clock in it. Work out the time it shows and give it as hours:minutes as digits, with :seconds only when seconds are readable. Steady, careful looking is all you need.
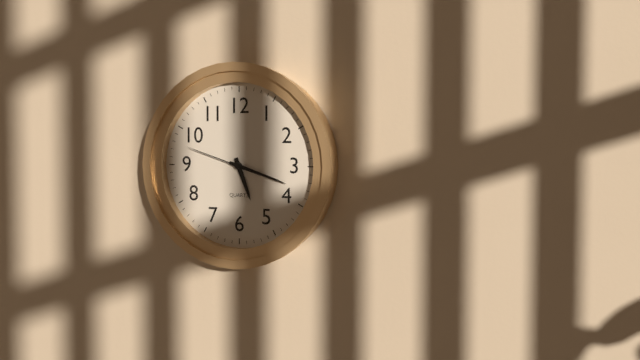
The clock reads 5:18:48
